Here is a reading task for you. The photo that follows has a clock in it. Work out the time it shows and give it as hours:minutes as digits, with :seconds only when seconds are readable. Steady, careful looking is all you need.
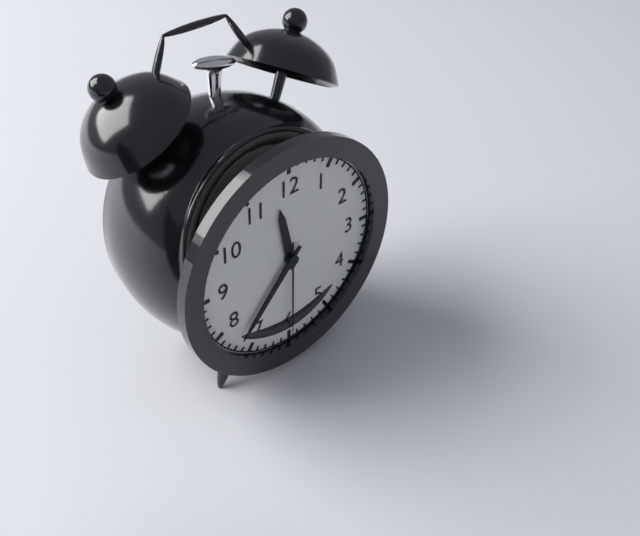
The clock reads 11:37:30
